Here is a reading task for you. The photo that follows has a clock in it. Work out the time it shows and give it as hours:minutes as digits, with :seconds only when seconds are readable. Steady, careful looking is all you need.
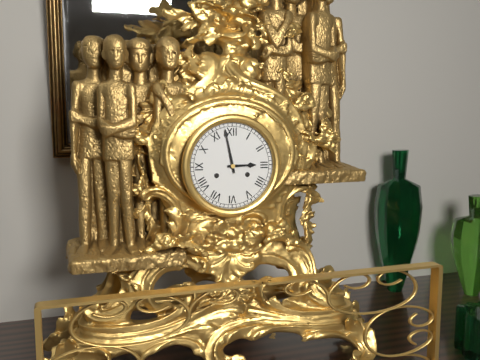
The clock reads 2:58
